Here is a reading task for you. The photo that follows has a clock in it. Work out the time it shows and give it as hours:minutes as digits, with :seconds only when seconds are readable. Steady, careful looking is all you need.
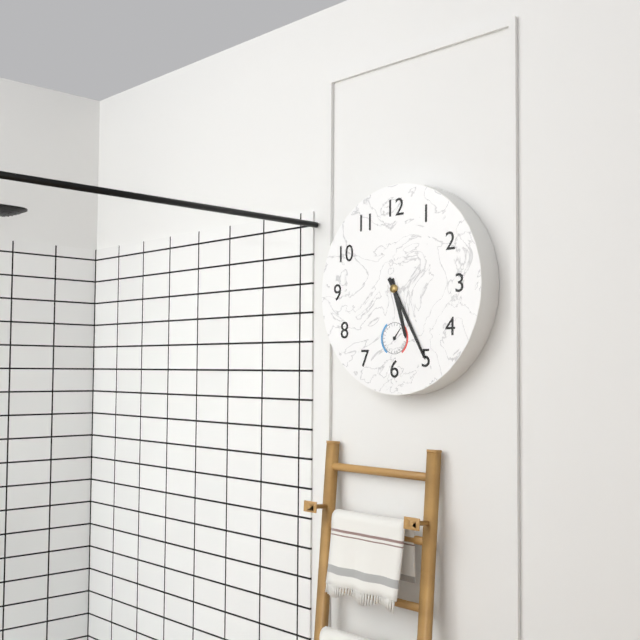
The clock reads 5:25
